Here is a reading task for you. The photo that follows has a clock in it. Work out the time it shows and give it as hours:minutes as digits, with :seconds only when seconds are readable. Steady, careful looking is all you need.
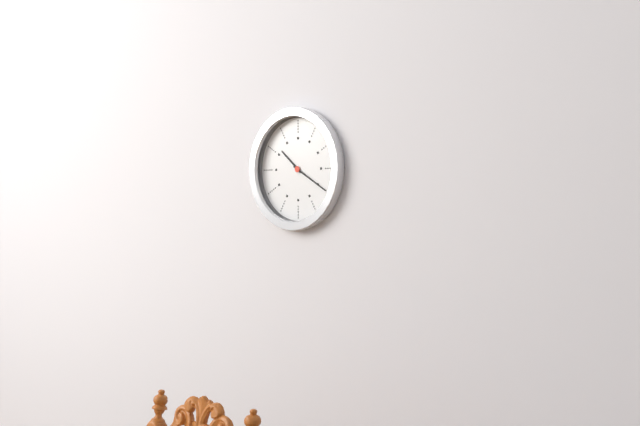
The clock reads 10:20
